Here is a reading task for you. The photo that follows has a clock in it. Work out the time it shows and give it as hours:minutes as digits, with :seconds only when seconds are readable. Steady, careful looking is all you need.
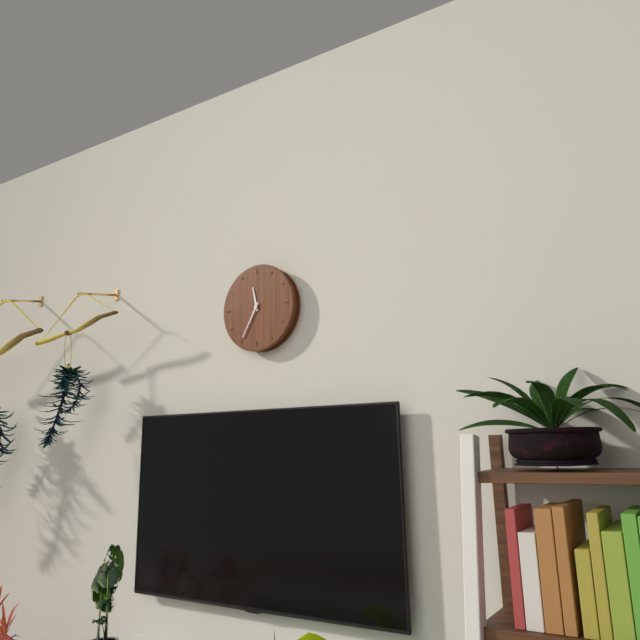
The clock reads 11:35
